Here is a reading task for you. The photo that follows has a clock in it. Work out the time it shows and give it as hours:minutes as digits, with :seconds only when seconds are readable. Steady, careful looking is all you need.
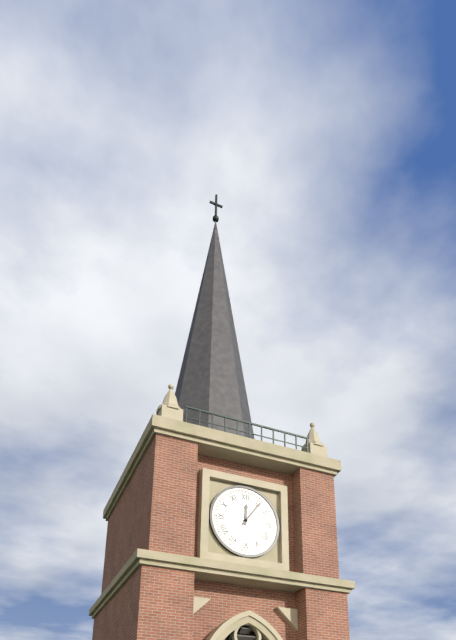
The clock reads 12:06
